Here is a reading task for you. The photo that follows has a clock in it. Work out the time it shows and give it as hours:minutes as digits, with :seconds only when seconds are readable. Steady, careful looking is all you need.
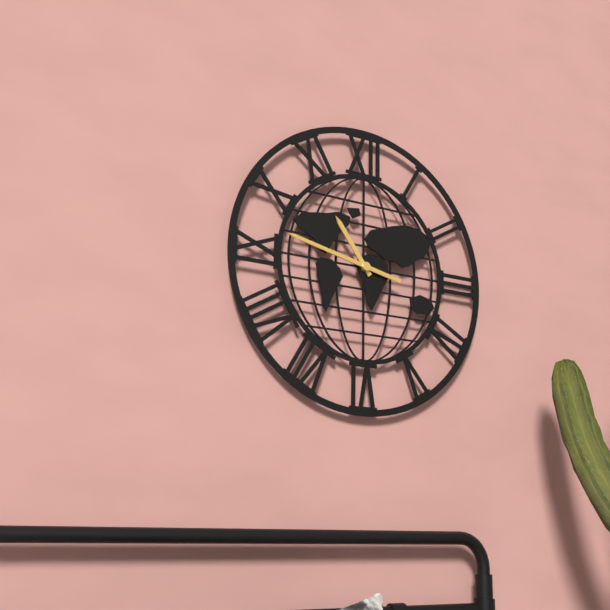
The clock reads 10:47
